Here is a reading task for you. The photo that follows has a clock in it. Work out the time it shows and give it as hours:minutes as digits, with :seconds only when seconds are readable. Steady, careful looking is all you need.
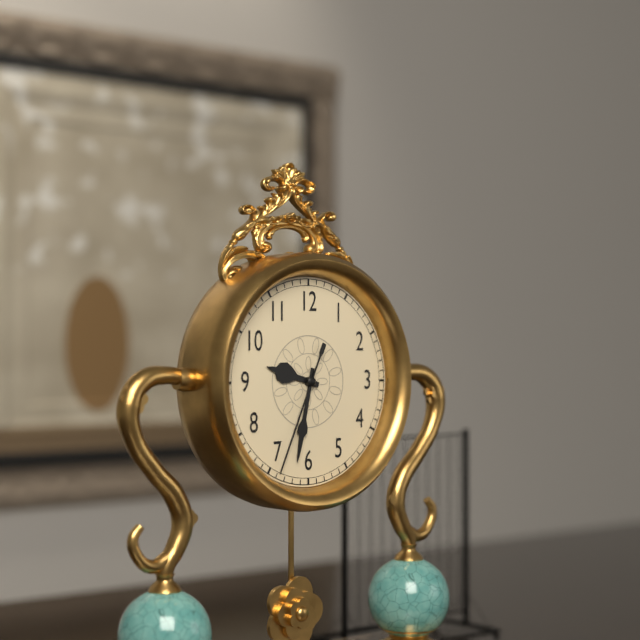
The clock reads 9:32:34
